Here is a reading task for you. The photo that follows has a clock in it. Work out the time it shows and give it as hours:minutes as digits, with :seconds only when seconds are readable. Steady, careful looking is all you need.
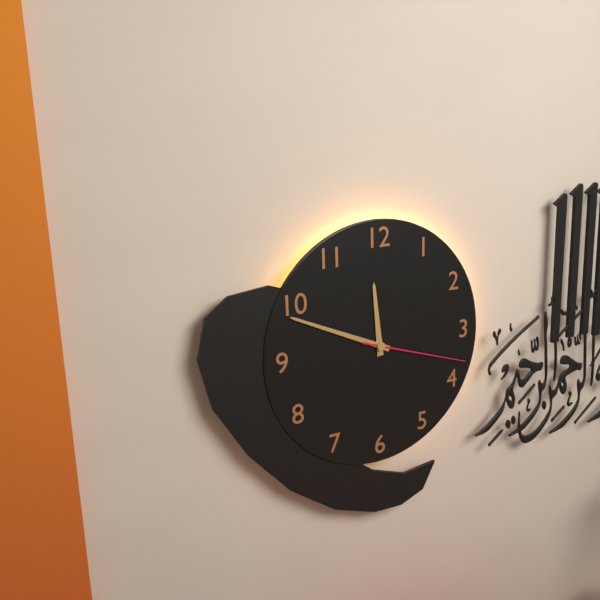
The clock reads 11:49:18
